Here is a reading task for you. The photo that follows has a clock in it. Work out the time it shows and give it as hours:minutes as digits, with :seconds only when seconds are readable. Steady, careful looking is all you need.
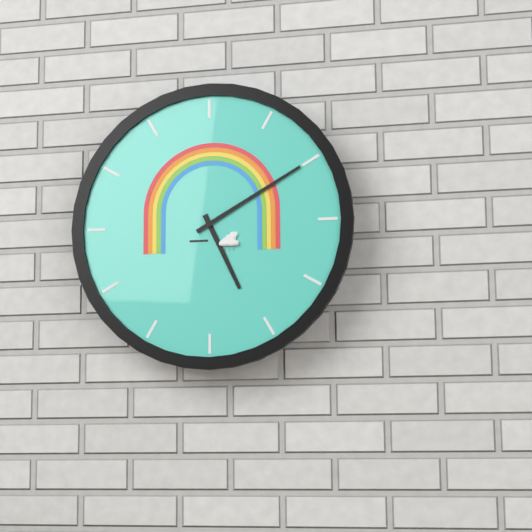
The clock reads 5:10
